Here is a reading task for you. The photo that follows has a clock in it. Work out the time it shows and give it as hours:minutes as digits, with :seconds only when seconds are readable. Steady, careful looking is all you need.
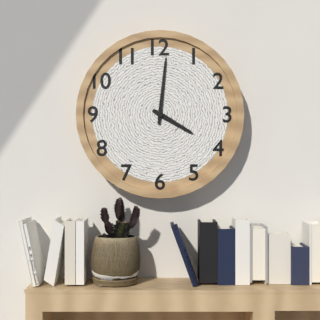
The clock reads 4:01
